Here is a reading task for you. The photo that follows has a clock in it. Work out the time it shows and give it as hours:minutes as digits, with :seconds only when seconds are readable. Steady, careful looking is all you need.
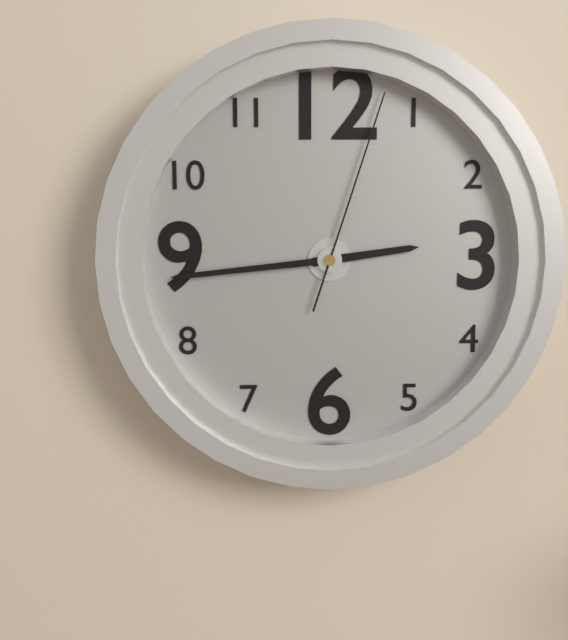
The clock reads 2:44:03
